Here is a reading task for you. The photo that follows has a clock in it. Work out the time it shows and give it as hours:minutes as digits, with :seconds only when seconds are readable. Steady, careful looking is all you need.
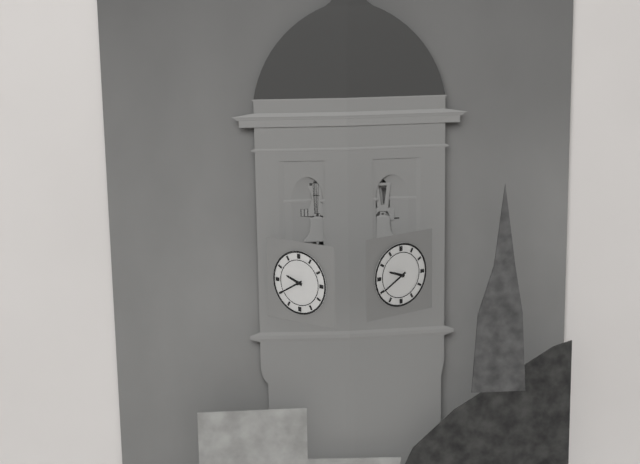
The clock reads 9:40
